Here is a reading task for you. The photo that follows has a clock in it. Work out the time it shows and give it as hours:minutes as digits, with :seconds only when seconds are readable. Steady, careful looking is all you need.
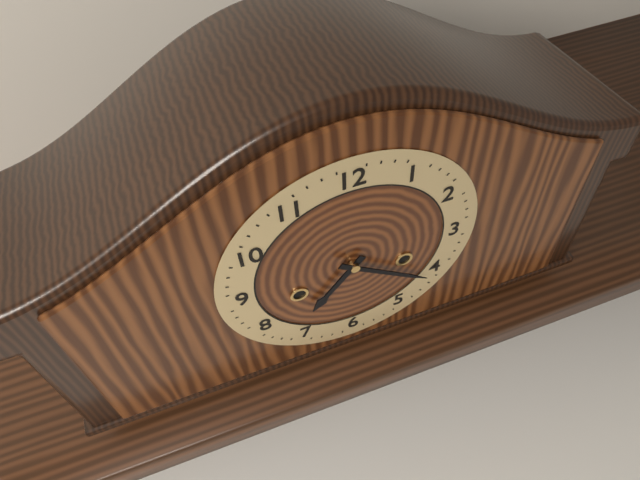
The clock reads 7:21
